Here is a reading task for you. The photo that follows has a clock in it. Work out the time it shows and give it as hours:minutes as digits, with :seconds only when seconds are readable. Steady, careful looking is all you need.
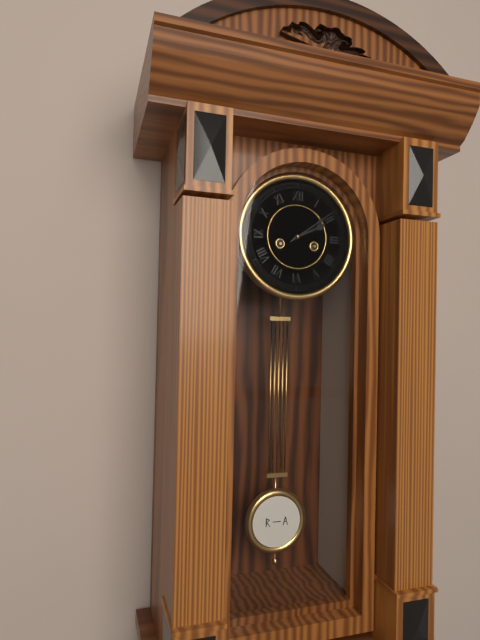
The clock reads 2:09
